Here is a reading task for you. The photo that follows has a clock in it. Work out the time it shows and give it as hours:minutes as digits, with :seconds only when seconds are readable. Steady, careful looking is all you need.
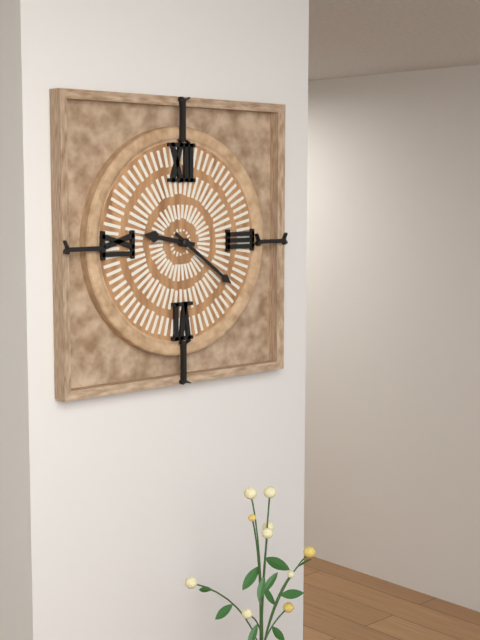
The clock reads 9:21
